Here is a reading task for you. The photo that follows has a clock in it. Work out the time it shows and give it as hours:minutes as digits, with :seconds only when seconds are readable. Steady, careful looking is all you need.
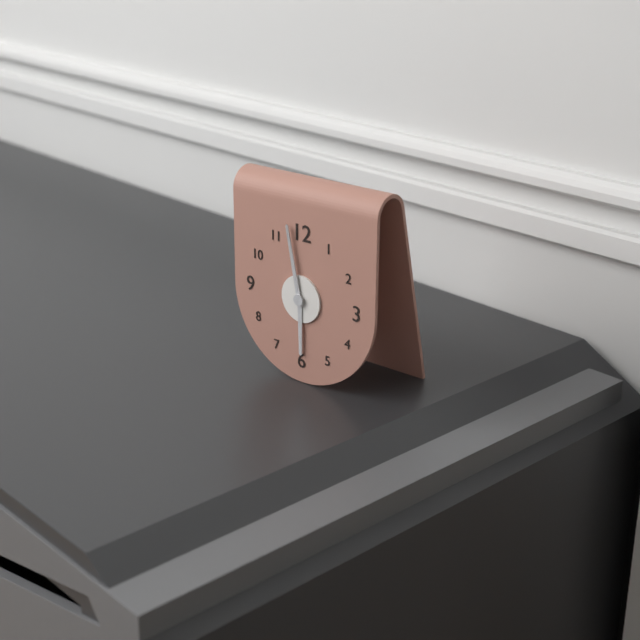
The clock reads 5:58
